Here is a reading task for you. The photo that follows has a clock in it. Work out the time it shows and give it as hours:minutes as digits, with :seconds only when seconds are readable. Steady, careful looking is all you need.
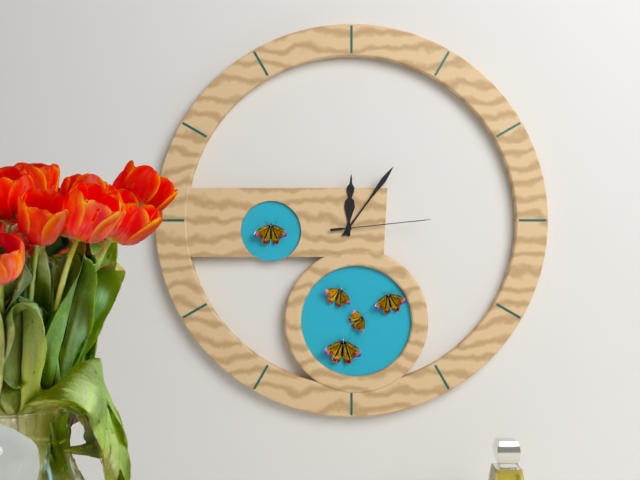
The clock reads 12:06:14
